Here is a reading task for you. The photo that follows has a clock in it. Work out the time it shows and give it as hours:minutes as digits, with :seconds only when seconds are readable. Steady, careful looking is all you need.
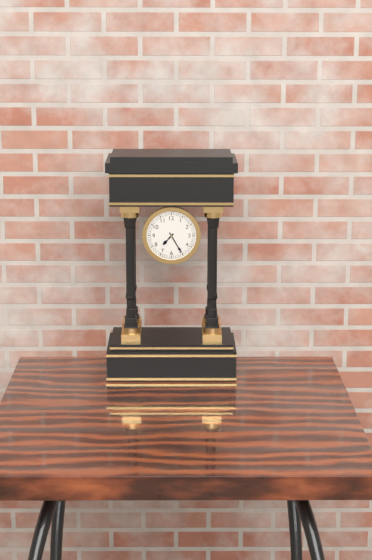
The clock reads 7:25
